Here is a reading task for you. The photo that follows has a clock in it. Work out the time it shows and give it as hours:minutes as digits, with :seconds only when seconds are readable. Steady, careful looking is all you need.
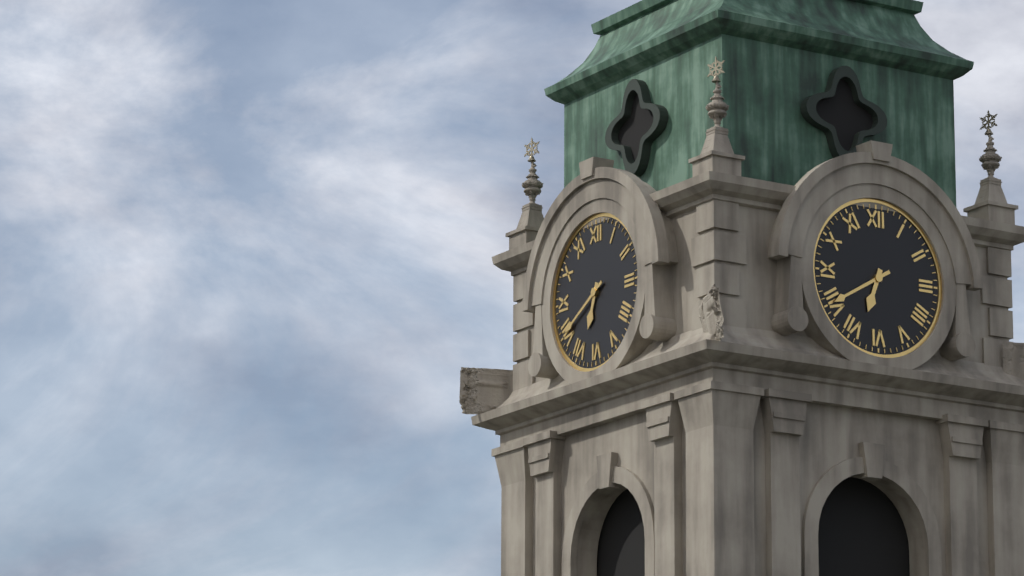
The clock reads 6:40
